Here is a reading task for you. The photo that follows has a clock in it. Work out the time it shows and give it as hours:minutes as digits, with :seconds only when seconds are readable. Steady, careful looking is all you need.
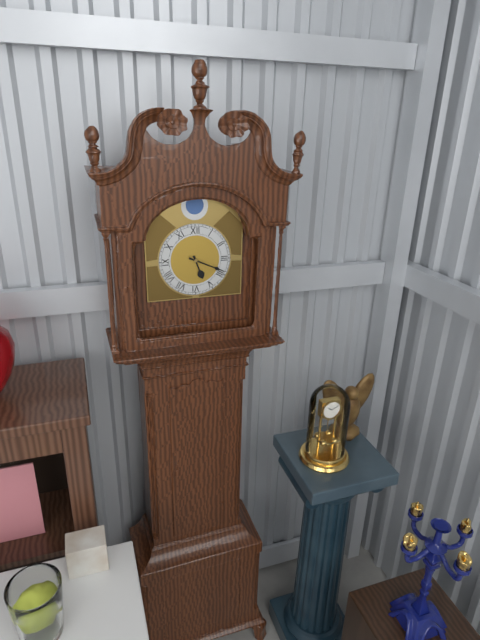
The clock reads 5:19
